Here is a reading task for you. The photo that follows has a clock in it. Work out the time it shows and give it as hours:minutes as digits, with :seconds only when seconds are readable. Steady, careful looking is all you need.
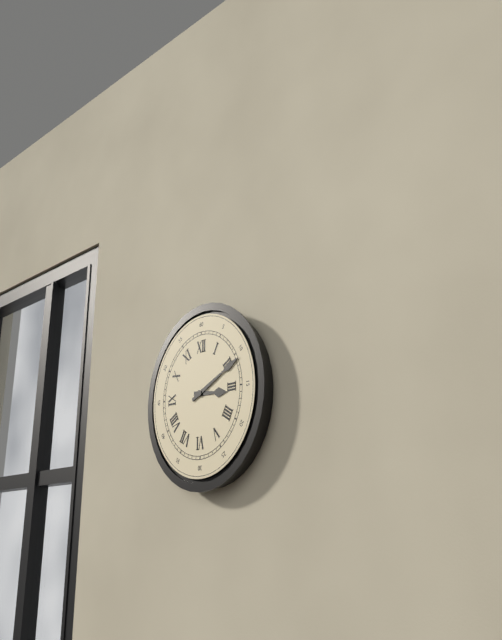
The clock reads 3:11
